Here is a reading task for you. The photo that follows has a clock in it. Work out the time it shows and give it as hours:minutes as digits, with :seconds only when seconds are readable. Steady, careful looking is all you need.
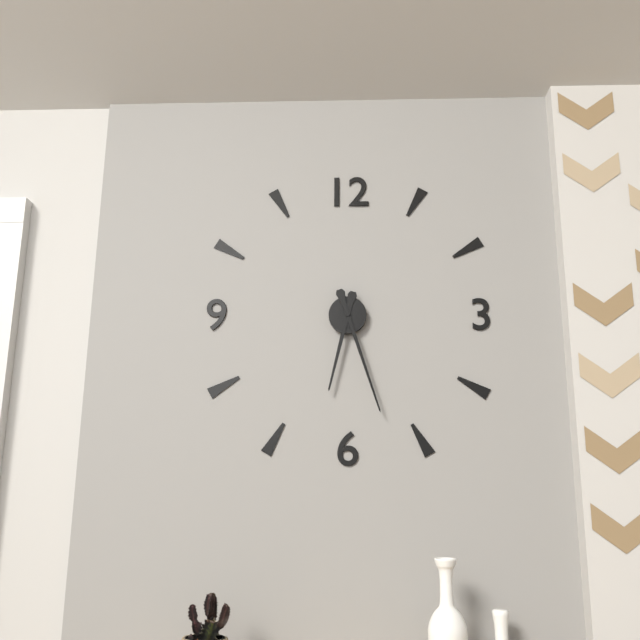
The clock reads 6:27
